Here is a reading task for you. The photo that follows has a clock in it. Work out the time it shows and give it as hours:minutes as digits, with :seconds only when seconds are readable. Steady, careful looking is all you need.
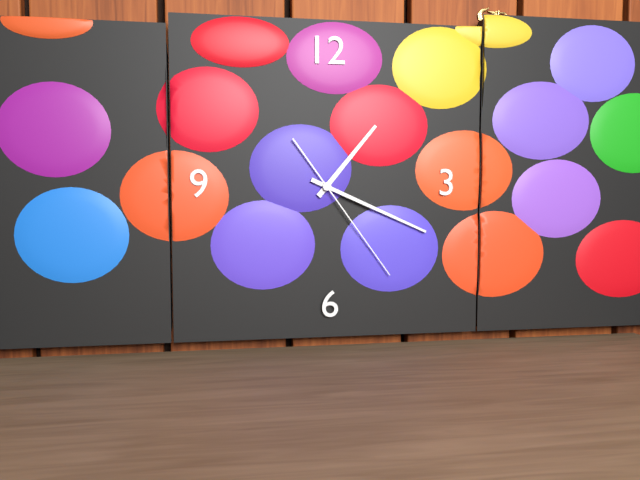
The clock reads 1:19:24
